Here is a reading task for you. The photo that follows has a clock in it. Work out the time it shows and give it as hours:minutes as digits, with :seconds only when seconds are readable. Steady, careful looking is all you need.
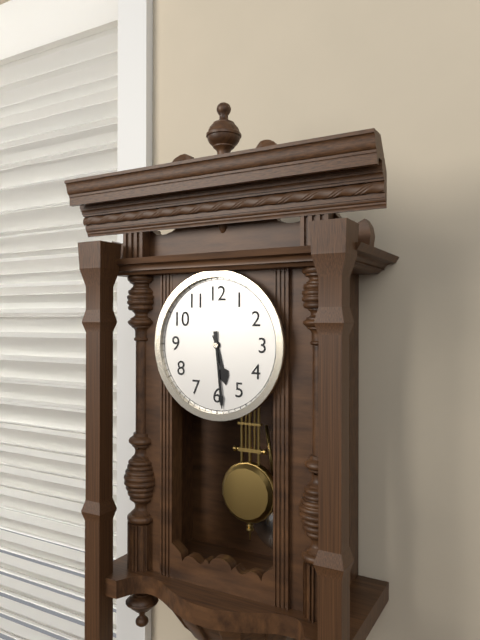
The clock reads 5:29
